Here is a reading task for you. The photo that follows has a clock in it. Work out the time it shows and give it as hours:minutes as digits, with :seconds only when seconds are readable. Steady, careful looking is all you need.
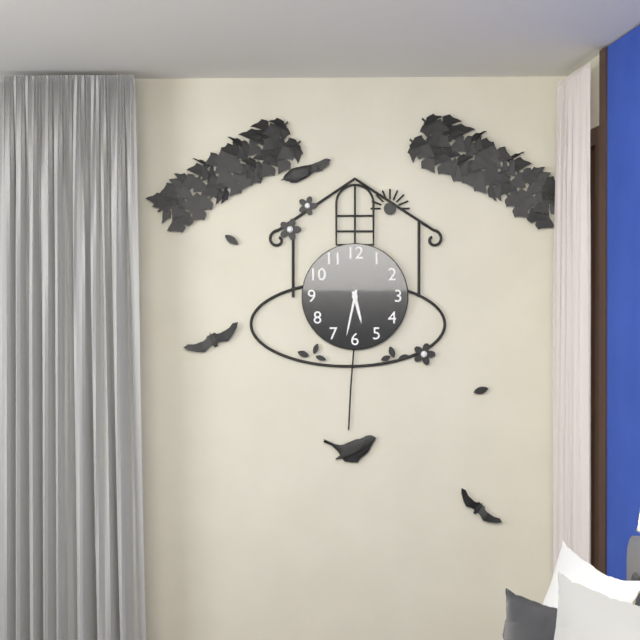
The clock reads 5:32
